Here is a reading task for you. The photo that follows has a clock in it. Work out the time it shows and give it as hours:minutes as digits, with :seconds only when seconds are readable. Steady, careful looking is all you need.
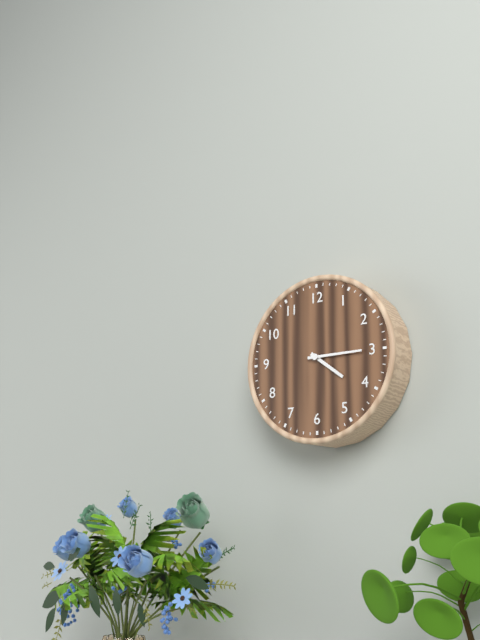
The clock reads 4:15
